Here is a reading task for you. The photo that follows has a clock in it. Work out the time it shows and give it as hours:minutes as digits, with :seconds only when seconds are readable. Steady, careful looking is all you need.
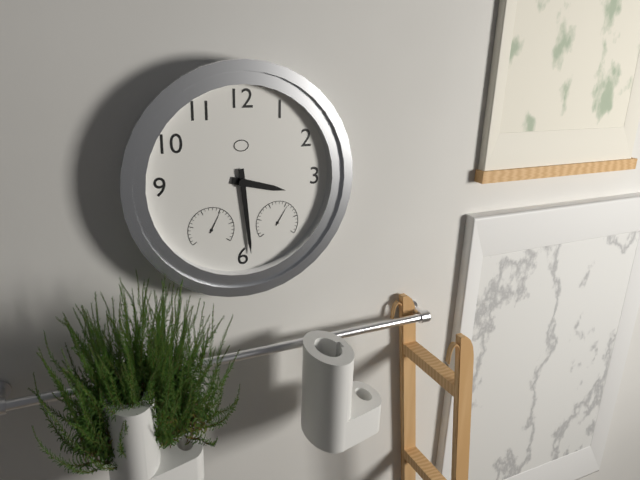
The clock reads 3:29
